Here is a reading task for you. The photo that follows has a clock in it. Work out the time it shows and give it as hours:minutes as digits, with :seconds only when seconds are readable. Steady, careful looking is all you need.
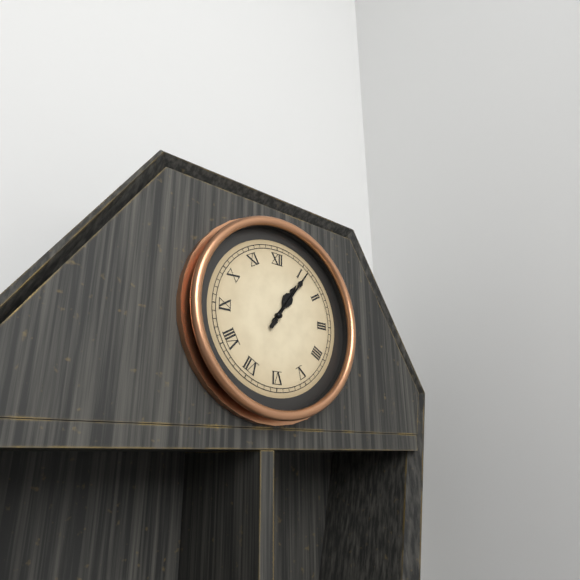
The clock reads 1:06
